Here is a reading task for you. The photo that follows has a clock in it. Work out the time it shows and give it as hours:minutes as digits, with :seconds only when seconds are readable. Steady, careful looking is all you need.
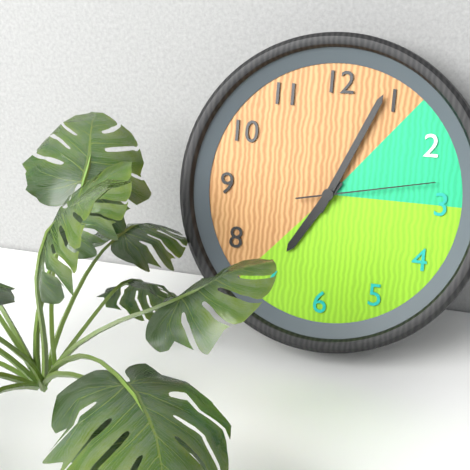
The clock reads 7:04:13
